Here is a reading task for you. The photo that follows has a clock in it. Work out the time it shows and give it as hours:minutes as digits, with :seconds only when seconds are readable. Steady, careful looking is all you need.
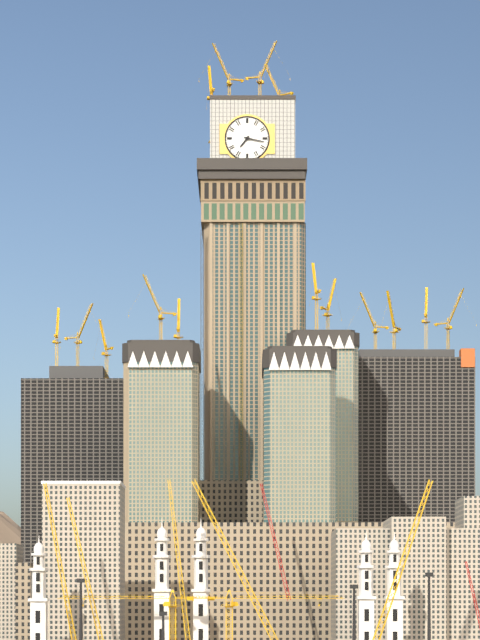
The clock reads 7:17
